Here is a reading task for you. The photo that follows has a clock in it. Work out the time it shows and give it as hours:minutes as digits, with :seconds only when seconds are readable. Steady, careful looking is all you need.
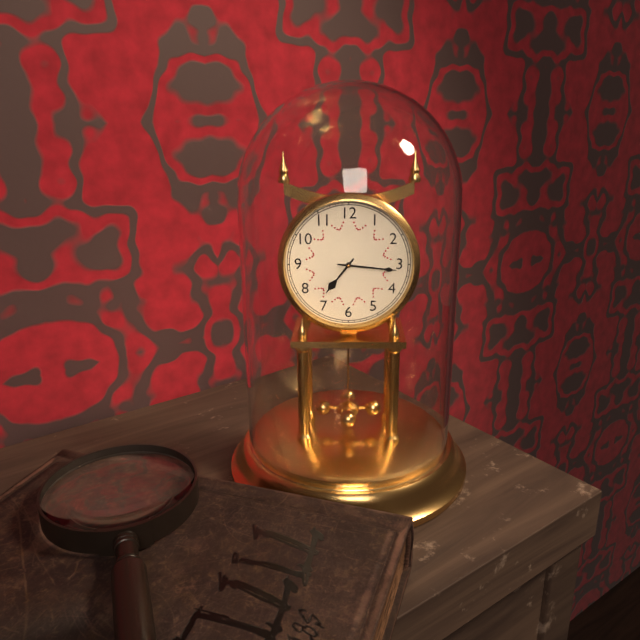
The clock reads 7:16
